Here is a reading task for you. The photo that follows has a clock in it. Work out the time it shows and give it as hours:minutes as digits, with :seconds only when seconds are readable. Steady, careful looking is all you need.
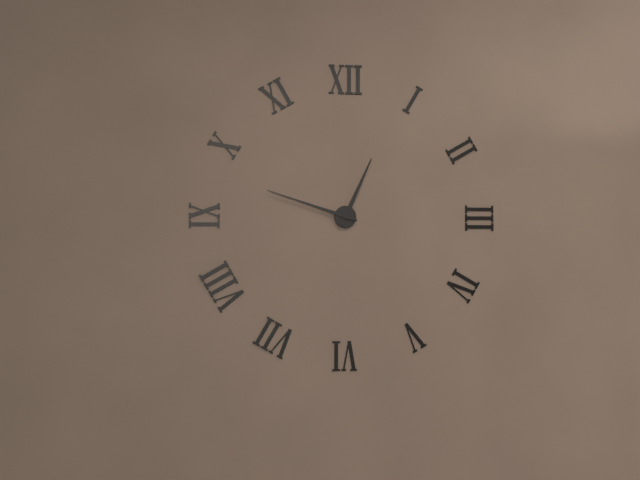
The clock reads 12:48
